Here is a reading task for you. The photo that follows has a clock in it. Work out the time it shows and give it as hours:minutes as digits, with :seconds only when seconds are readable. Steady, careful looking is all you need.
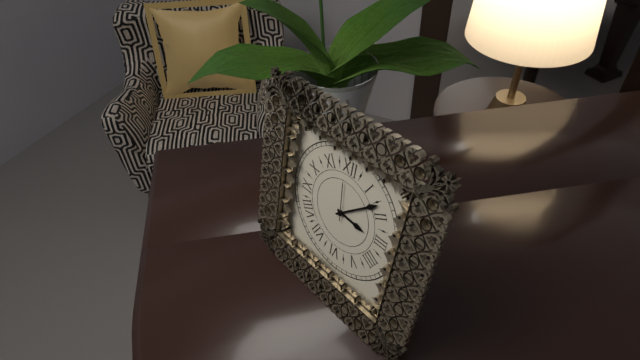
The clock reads 3:08
